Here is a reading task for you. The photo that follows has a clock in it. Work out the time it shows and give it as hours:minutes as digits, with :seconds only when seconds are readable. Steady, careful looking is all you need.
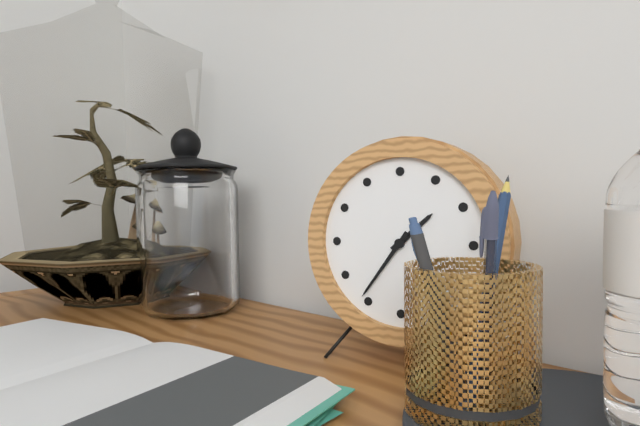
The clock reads 1:36
